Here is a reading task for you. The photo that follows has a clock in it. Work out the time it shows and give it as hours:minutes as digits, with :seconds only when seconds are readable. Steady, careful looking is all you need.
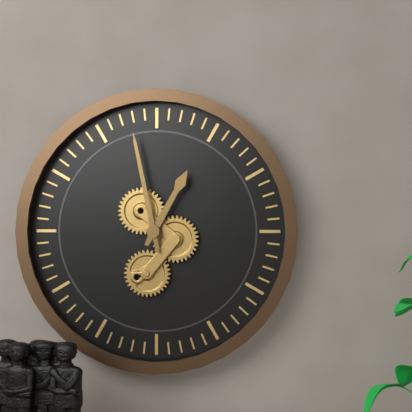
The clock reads 12:58
